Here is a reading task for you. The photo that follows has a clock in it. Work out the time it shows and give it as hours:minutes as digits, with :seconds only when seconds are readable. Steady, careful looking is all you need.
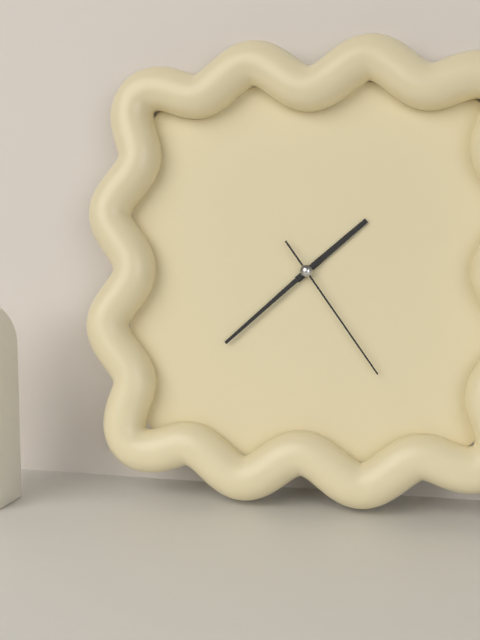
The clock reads 1:38:24
